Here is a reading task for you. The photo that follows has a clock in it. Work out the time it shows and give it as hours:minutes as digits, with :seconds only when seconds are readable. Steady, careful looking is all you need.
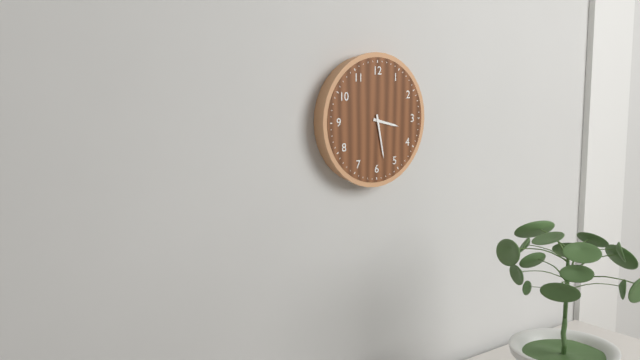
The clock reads 3:28
